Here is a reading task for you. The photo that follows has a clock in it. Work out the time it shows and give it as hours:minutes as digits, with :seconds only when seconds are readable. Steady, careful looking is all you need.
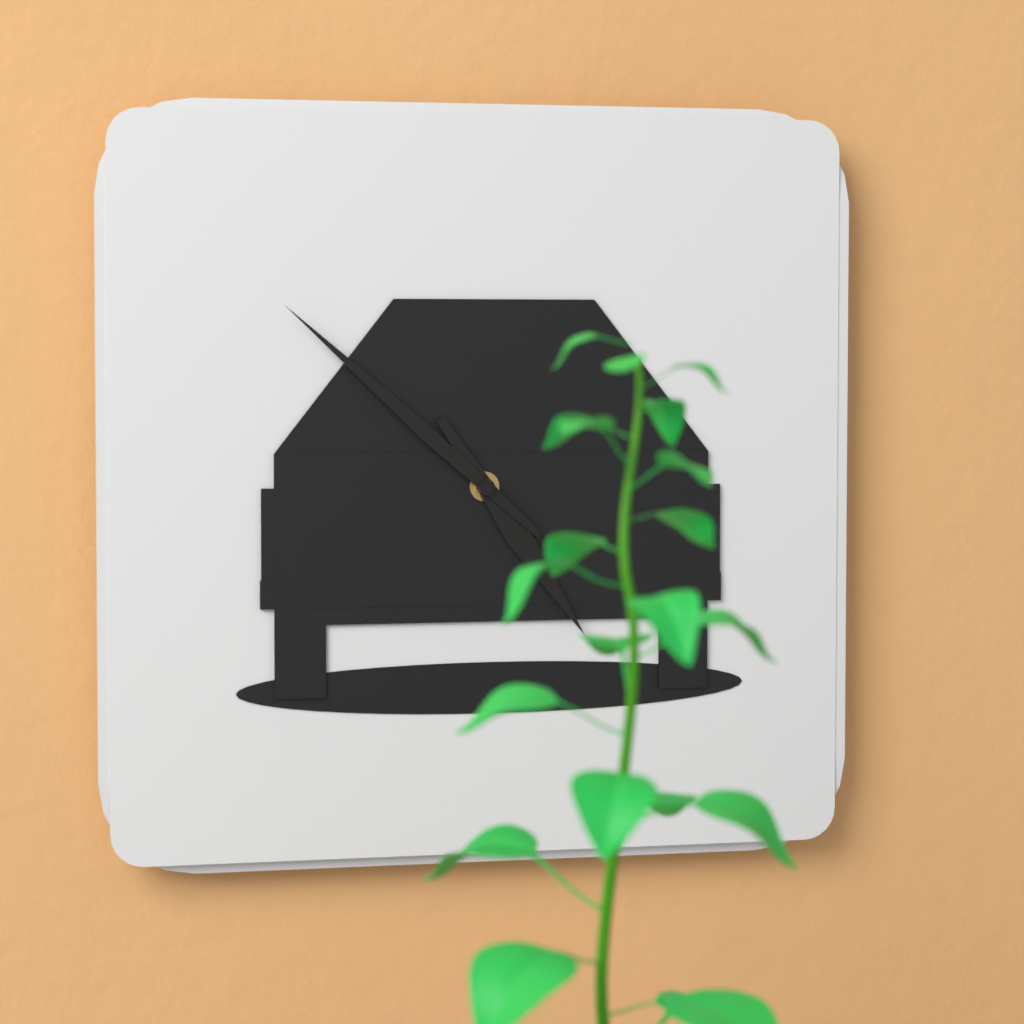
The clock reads 4:52
